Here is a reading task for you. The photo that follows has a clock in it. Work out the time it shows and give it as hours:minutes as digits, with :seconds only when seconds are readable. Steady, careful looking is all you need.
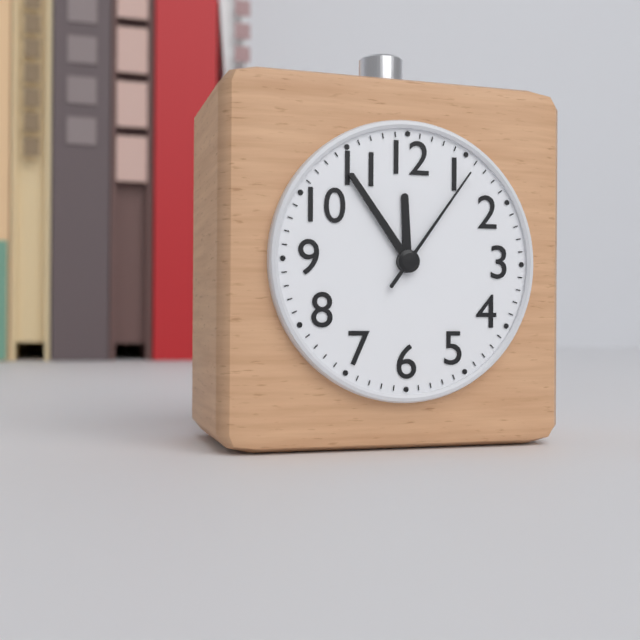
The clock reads 11:54:06
